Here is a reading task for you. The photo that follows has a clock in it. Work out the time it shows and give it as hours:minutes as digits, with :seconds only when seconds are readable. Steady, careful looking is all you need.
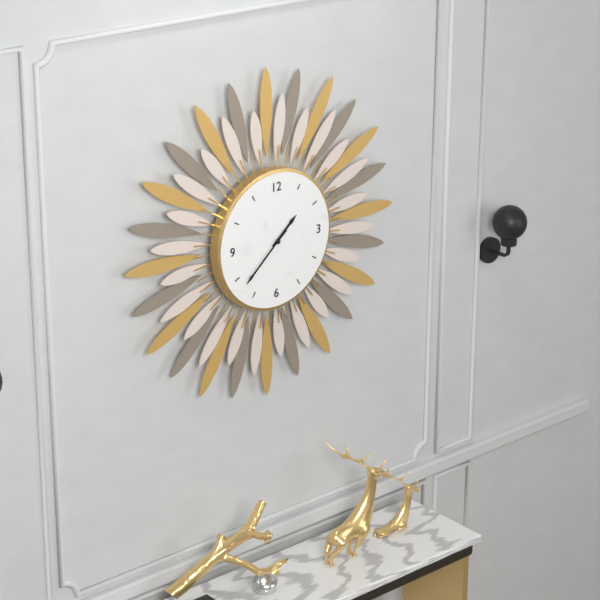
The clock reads 1:38
